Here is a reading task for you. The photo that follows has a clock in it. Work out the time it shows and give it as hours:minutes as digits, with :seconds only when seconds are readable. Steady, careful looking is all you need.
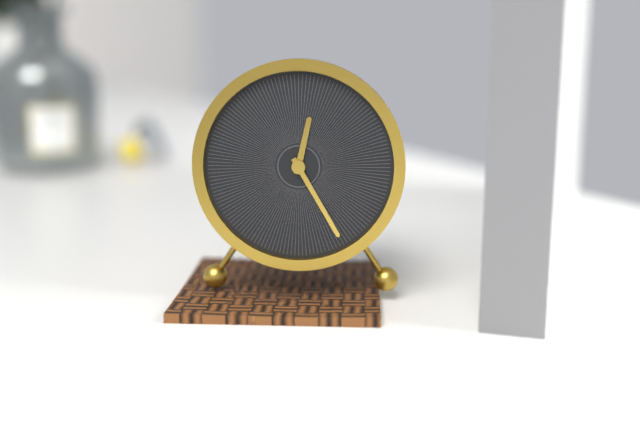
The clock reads 12:25
